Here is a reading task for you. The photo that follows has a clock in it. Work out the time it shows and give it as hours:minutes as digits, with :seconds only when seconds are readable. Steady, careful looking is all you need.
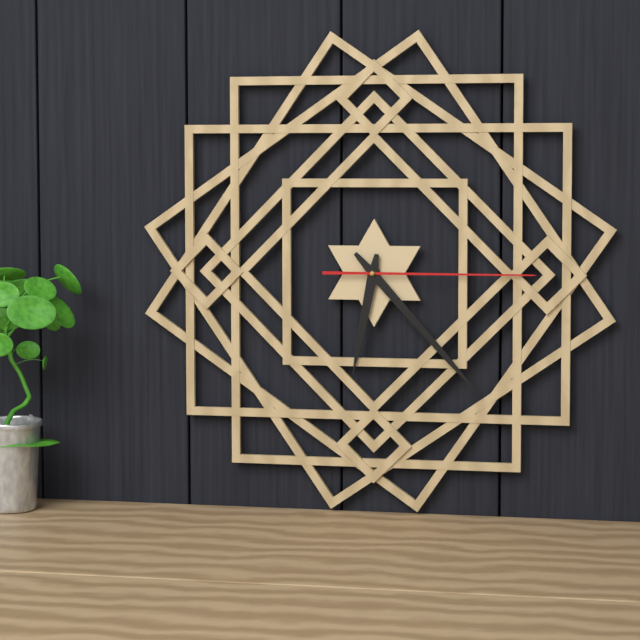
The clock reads 6:23:15
